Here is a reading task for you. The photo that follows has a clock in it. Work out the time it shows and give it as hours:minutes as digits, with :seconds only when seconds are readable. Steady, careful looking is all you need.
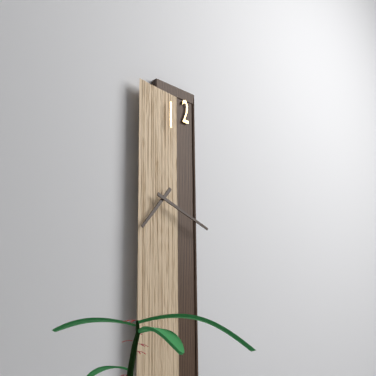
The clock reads 7:18
